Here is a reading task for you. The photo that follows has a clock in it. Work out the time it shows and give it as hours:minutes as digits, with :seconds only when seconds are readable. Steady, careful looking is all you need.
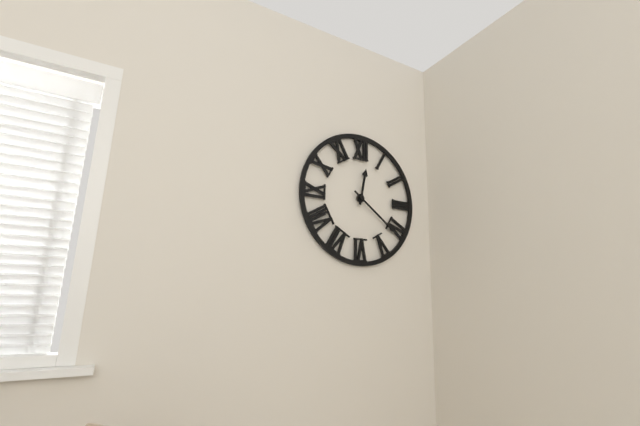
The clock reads 12:21
